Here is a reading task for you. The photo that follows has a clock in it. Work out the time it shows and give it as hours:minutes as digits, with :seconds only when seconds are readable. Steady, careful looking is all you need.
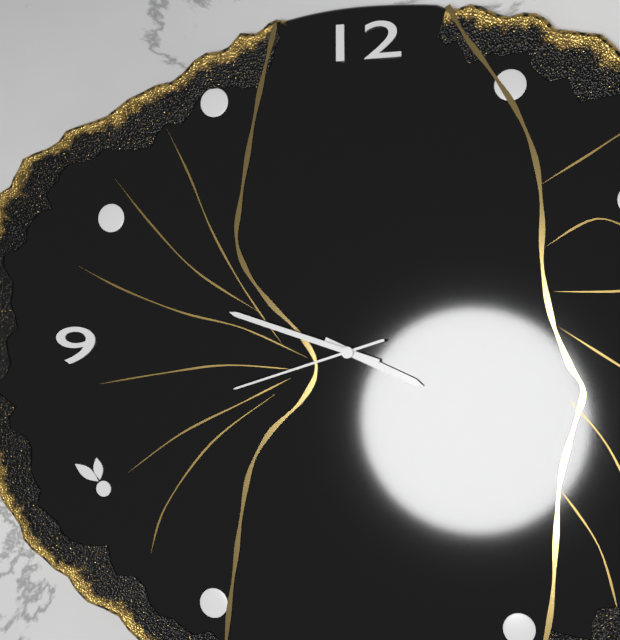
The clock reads 3:48:42
